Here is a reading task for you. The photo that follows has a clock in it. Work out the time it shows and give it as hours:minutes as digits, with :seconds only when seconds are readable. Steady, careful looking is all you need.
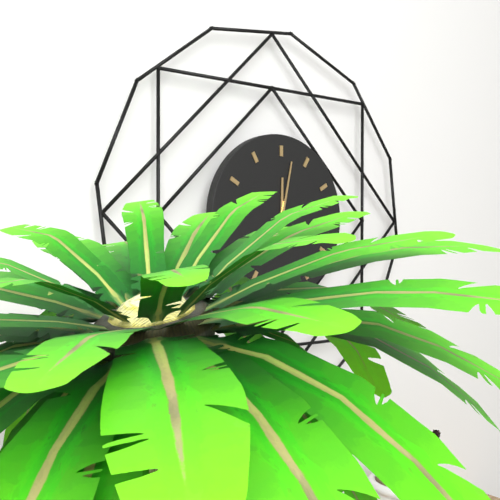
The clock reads 12:02
